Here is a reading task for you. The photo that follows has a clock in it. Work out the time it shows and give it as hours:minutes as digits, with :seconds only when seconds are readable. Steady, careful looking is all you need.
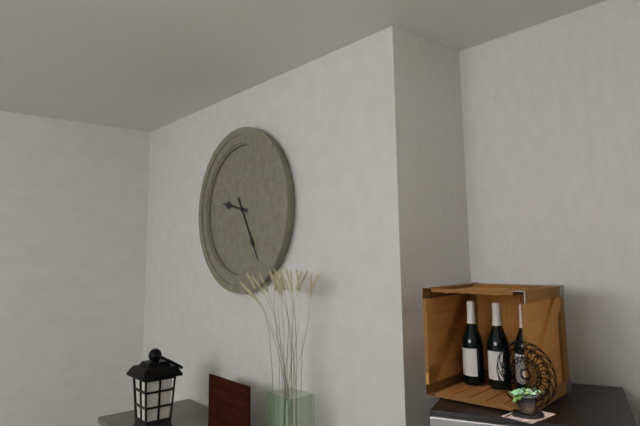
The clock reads 9:25
